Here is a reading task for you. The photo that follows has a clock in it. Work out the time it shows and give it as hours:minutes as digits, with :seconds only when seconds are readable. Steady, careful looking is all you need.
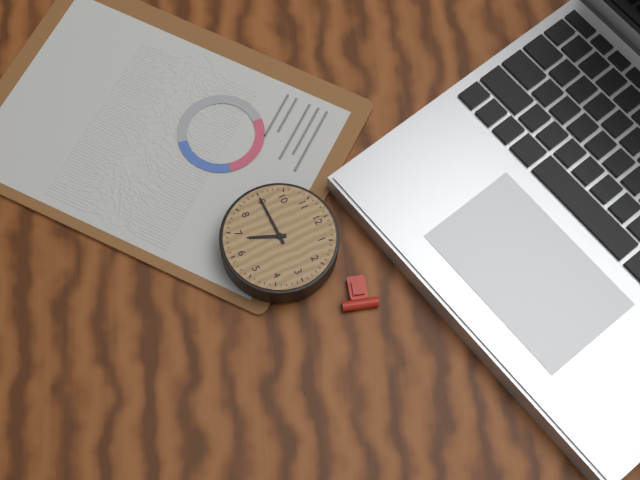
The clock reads 6:45
